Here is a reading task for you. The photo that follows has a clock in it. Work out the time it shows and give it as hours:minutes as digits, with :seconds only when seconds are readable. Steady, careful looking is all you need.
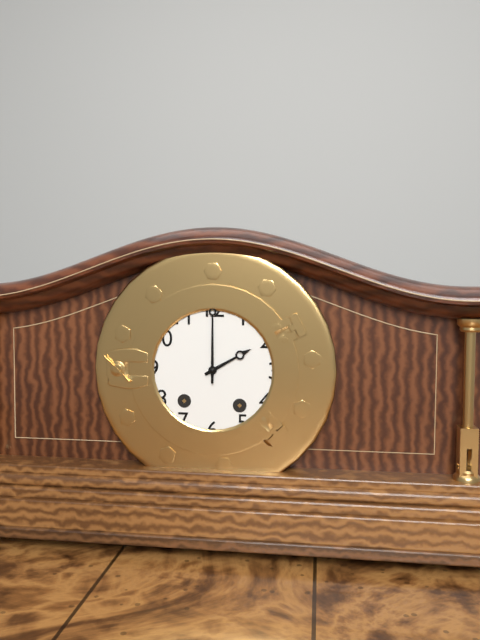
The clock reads 2:00
